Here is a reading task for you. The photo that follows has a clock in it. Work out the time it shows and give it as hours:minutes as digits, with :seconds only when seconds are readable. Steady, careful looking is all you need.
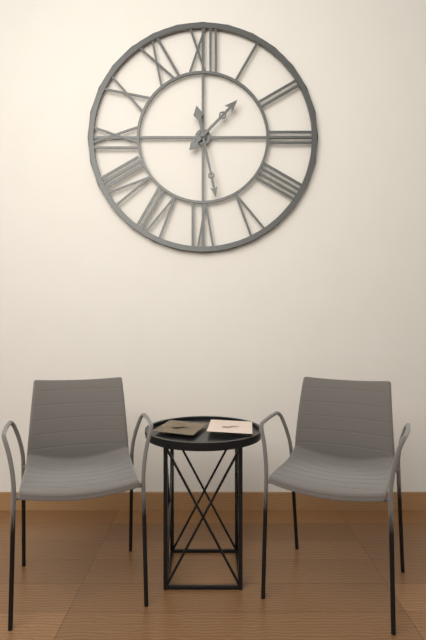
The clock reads 1:28
